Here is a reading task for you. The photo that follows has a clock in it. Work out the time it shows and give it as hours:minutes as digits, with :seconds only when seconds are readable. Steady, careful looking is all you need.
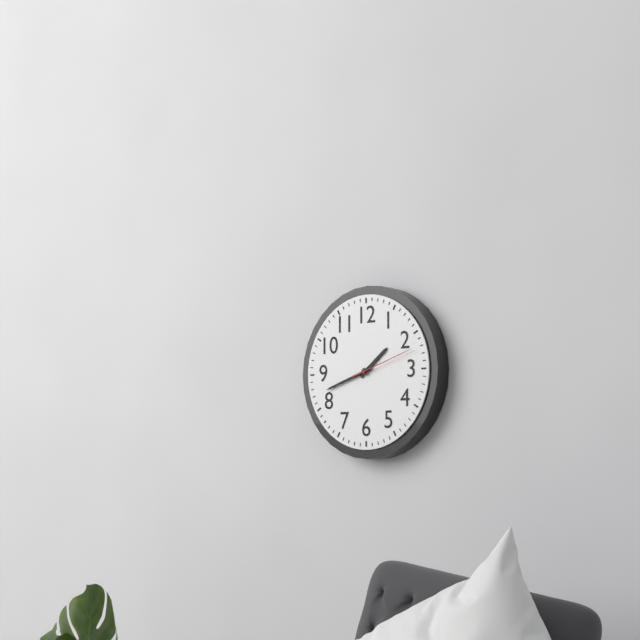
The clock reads 1:42:12
